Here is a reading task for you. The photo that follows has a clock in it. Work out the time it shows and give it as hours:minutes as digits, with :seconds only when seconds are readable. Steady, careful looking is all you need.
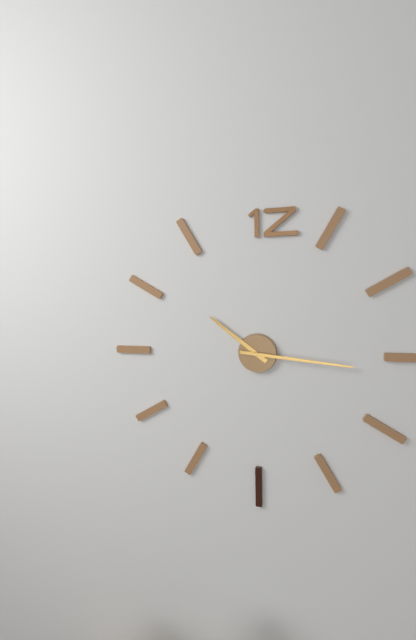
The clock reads 10:16
